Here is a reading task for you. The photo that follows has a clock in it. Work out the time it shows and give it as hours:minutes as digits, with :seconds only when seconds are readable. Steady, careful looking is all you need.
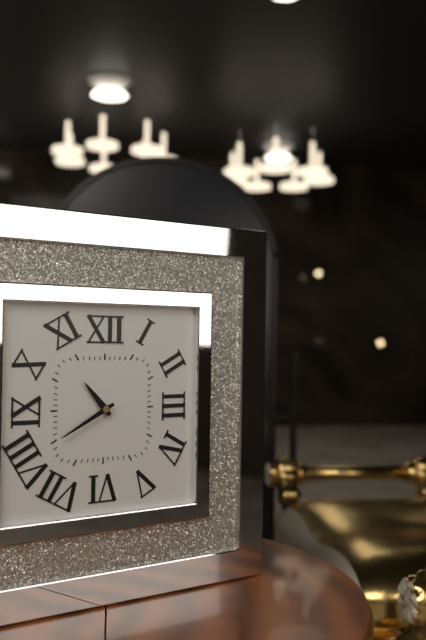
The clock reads 10:40
